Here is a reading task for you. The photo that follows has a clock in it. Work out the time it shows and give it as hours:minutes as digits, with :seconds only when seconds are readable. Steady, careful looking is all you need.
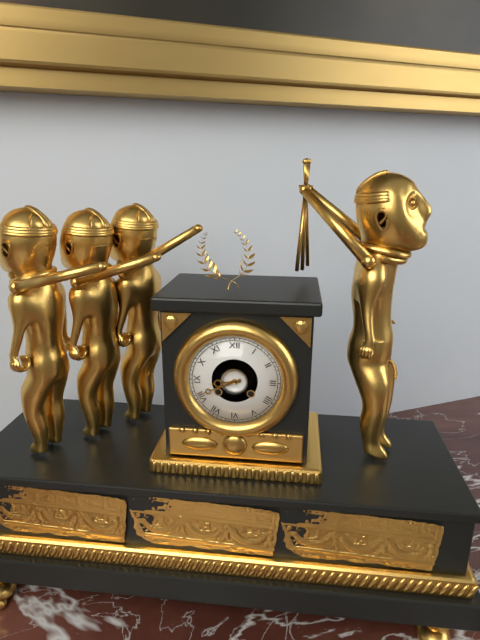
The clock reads 8:41
